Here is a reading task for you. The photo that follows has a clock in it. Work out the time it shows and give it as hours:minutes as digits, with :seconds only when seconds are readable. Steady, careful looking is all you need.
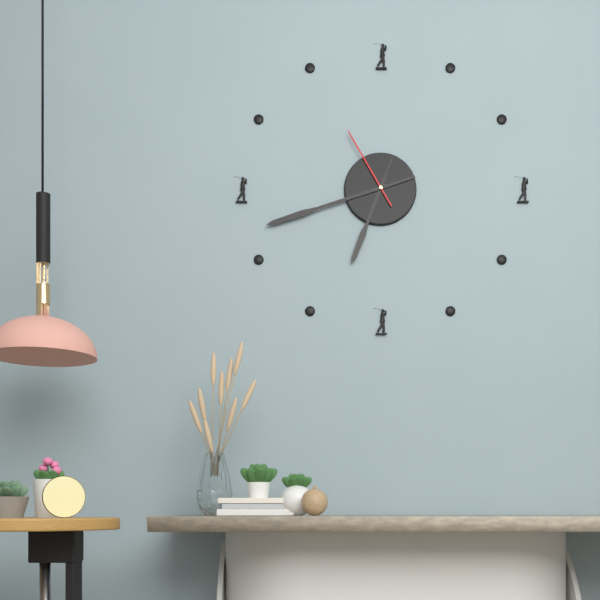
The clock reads 6:42:55
